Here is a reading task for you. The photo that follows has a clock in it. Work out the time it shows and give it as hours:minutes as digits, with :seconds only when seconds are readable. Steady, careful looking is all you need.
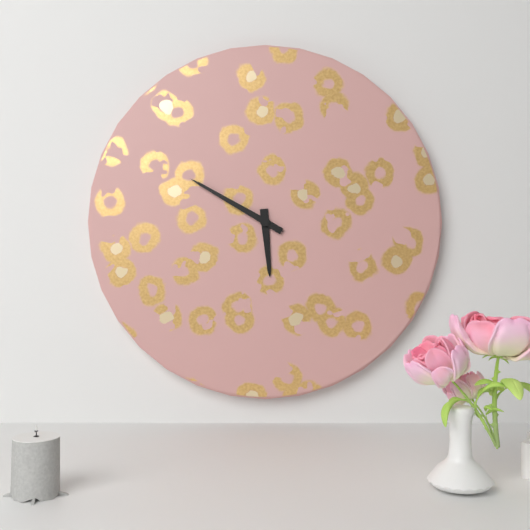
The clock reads 5:50
